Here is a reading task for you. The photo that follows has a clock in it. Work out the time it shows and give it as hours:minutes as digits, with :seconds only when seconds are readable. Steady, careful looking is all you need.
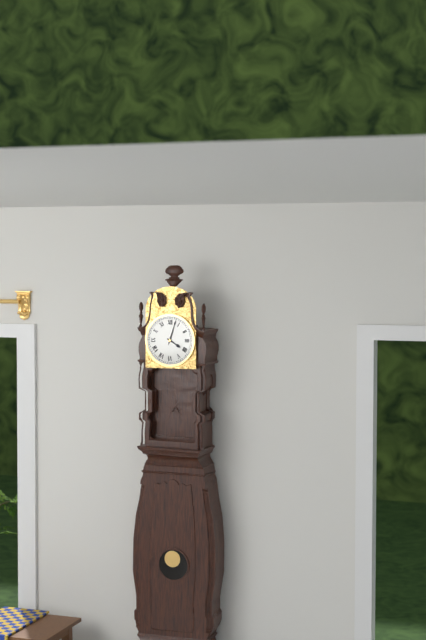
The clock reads 4:03
